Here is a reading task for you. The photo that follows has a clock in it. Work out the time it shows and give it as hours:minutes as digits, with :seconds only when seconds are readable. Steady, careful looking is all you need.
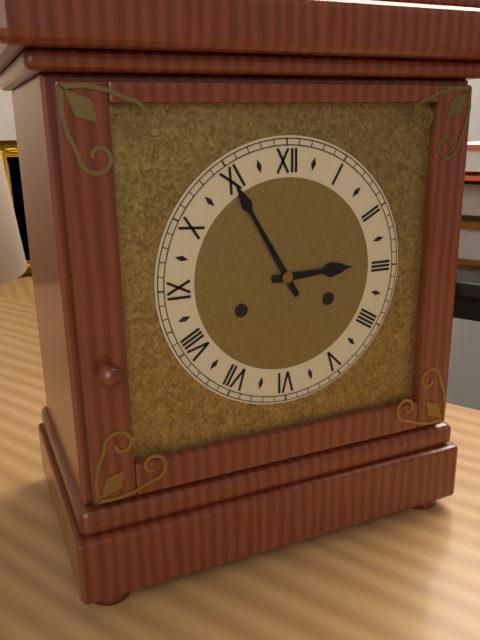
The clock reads 2:55
